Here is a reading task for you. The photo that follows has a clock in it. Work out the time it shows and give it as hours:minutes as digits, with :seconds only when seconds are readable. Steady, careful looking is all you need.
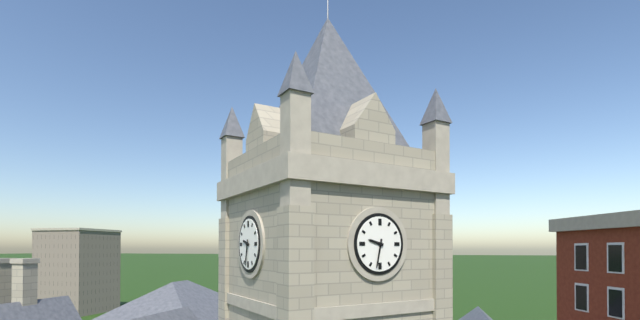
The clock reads 9:32
